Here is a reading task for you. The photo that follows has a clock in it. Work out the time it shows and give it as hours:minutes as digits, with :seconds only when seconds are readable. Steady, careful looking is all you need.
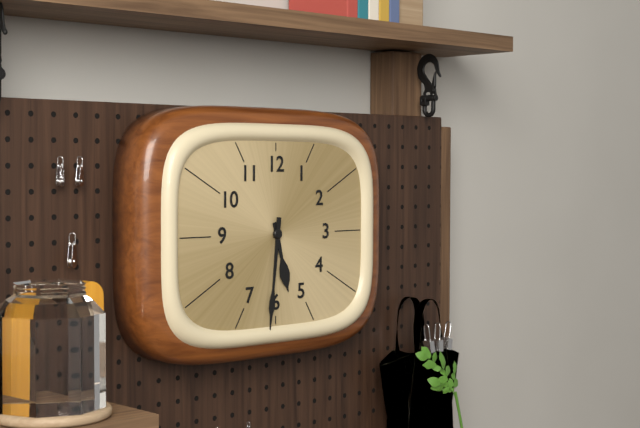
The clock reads 5:31
